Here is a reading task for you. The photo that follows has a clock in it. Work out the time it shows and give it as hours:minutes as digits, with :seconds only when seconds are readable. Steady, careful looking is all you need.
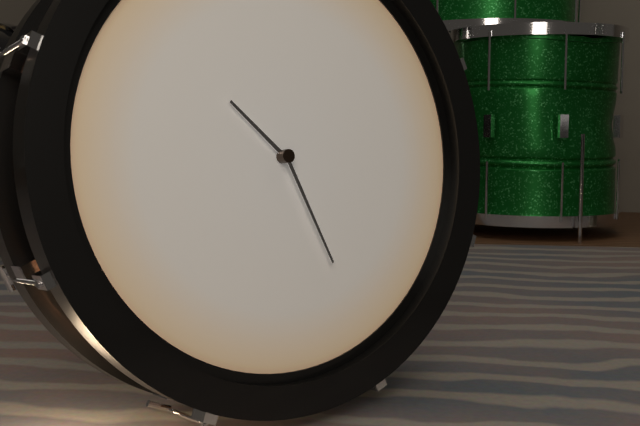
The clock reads 10:26
